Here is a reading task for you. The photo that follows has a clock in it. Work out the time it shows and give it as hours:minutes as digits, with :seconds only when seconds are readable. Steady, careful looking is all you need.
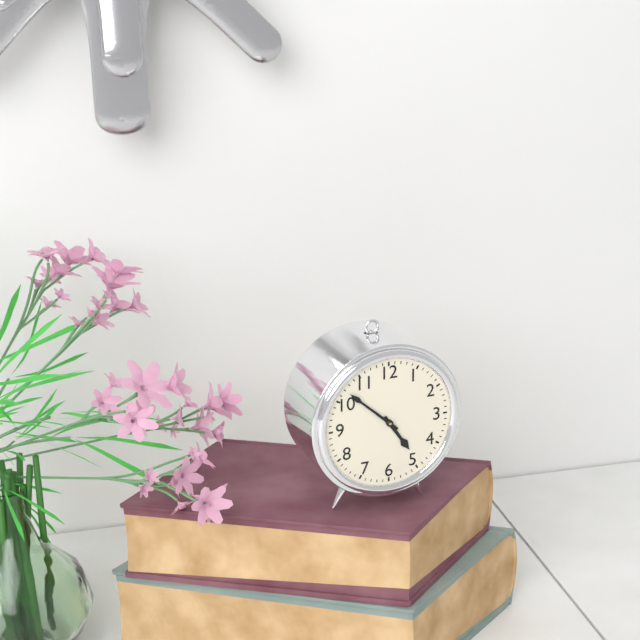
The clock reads 4:52
